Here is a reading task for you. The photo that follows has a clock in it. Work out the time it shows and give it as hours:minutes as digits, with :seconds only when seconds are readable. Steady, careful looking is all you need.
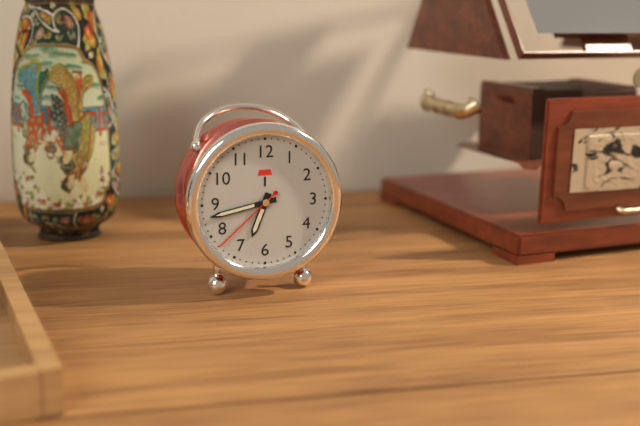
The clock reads 6:43:38
